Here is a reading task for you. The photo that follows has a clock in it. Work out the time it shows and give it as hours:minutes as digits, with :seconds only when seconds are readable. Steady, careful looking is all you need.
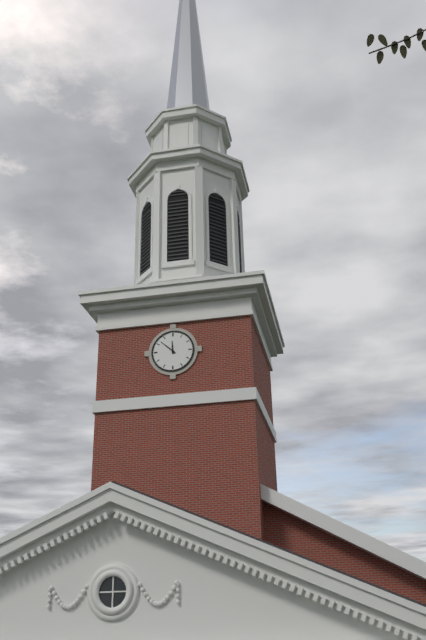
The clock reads 11:52
